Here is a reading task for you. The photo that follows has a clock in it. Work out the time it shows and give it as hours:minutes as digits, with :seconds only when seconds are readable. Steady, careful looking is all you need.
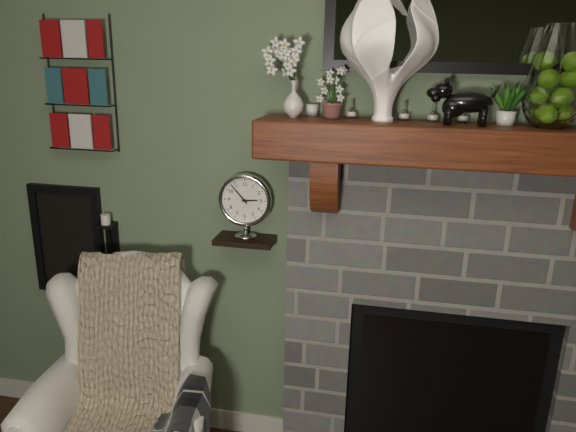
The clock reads 2:53
